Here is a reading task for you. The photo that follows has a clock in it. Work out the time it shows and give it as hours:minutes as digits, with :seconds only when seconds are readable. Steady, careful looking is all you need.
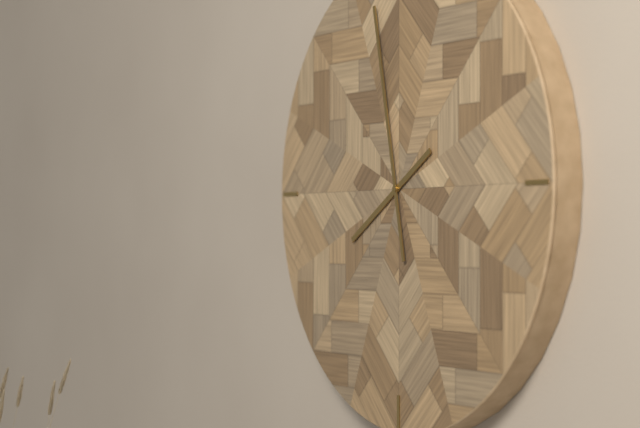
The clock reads 7:58
